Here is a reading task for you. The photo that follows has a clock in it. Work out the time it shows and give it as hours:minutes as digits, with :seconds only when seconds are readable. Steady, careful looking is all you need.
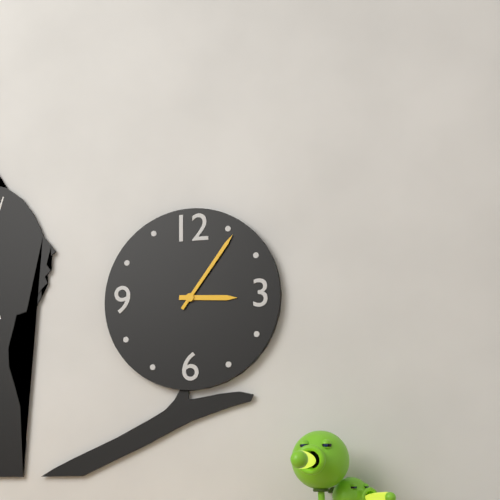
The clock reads 3:06
